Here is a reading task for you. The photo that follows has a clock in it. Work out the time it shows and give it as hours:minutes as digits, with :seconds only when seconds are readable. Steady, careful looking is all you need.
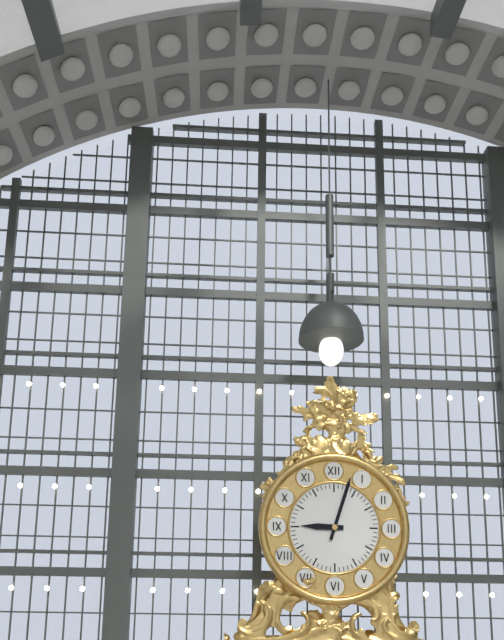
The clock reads 9:03
